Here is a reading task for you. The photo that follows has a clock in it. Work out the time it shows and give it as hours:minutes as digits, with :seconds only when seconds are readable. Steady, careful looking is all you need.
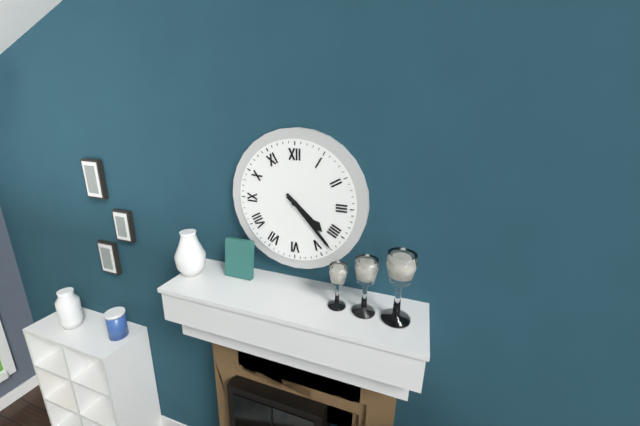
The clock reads 4:23
